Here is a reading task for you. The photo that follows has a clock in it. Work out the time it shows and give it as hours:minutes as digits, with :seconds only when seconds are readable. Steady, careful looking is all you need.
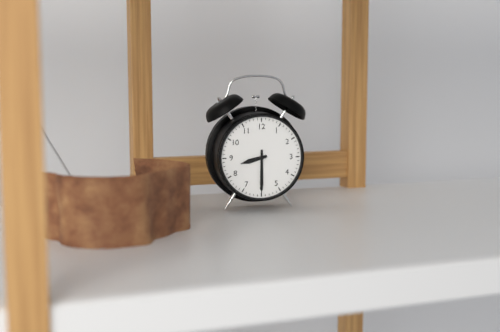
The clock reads 8:30
